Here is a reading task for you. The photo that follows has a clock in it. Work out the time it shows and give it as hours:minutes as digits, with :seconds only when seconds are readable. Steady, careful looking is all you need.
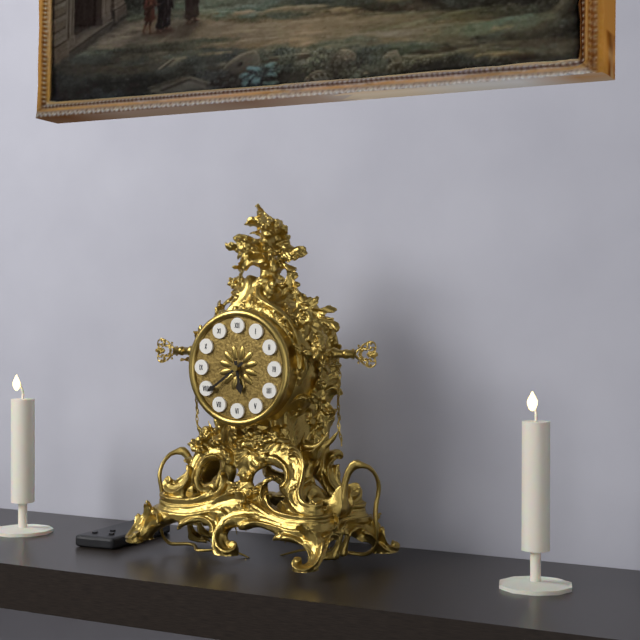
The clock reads 5:39
